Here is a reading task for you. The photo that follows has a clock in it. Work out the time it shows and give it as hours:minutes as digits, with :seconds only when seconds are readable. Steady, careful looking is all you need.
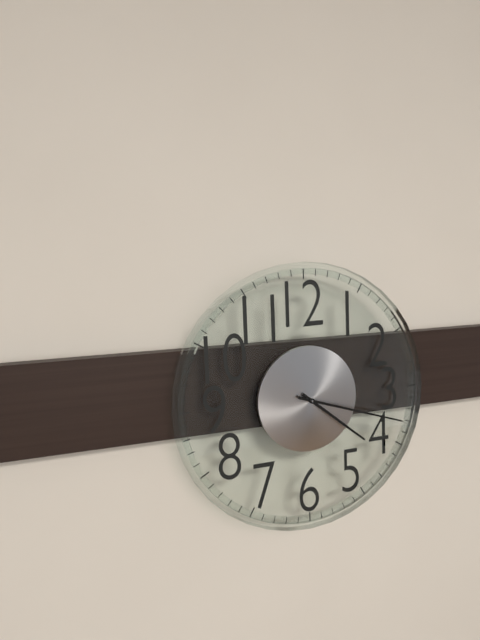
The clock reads 4:18
